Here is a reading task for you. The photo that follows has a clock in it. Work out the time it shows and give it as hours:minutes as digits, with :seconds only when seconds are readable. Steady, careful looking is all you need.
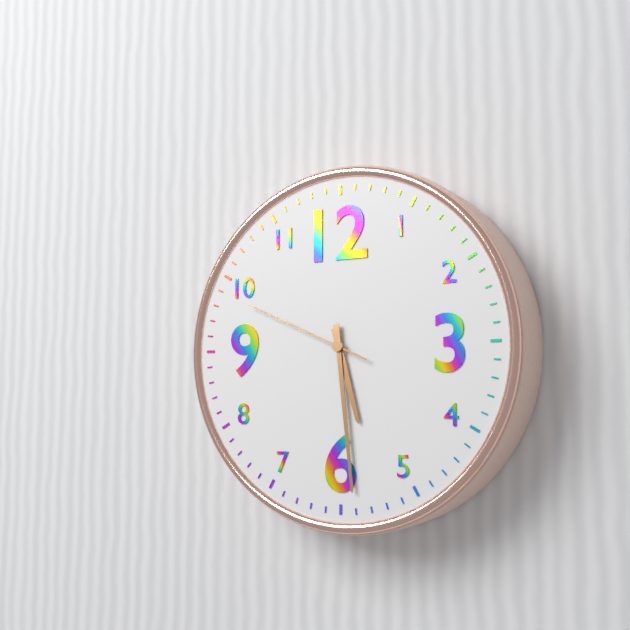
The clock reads 5:29:49
